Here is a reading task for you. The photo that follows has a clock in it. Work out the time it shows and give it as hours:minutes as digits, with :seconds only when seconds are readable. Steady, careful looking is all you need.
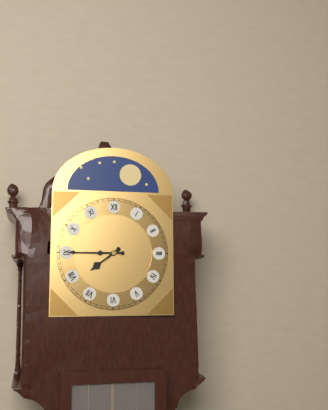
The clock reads 7:45
